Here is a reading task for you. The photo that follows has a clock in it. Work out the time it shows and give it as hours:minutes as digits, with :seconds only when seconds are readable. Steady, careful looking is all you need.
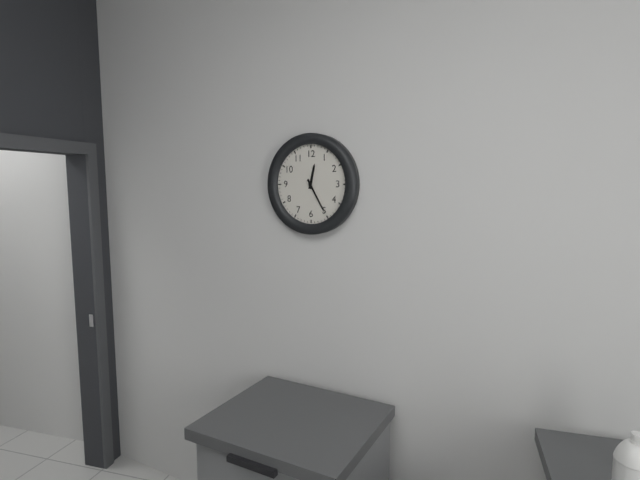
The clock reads 12:25
